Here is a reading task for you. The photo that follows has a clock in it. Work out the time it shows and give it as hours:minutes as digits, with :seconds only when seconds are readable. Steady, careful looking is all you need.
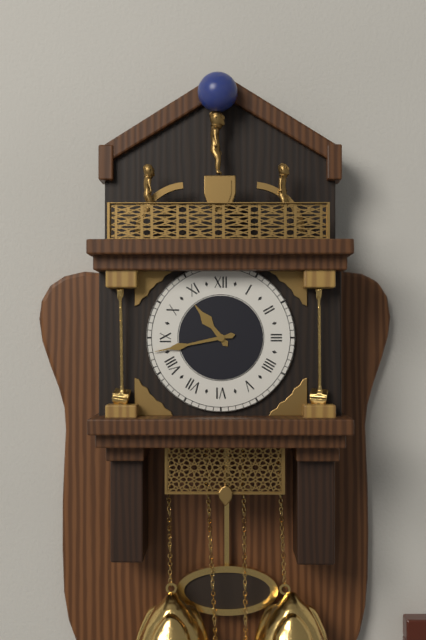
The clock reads 10:43
